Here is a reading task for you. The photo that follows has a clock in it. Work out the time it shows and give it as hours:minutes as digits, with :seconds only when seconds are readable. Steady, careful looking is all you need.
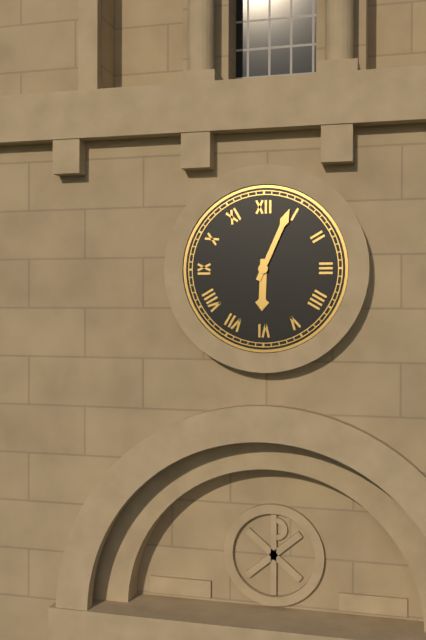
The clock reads 6:04
